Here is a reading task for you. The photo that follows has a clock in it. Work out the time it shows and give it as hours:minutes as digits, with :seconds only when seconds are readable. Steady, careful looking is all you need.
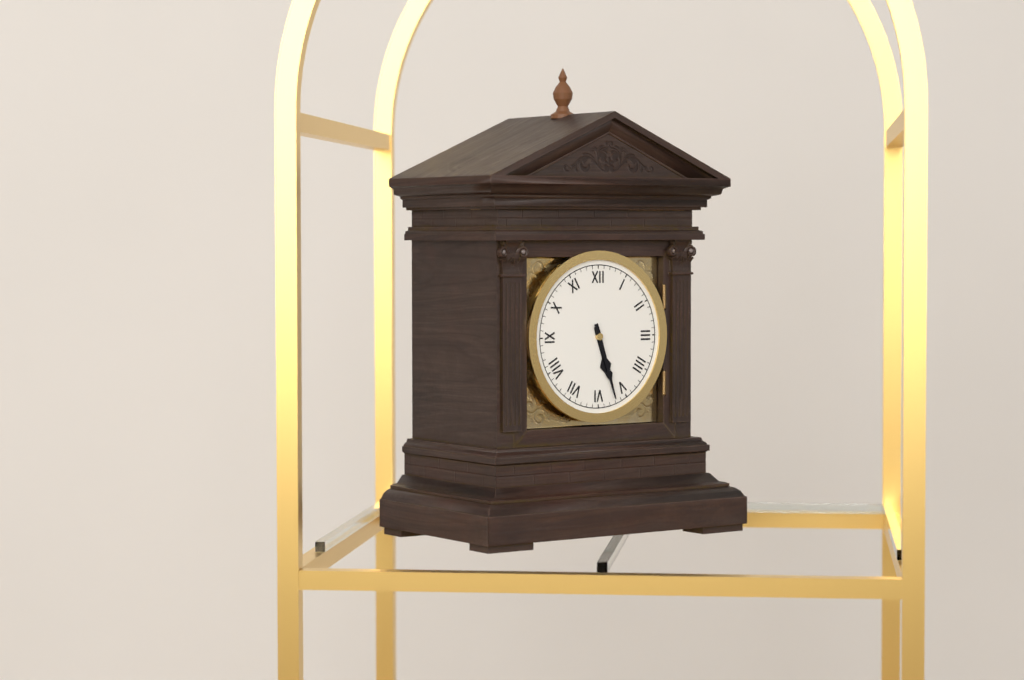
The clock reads 5:27
